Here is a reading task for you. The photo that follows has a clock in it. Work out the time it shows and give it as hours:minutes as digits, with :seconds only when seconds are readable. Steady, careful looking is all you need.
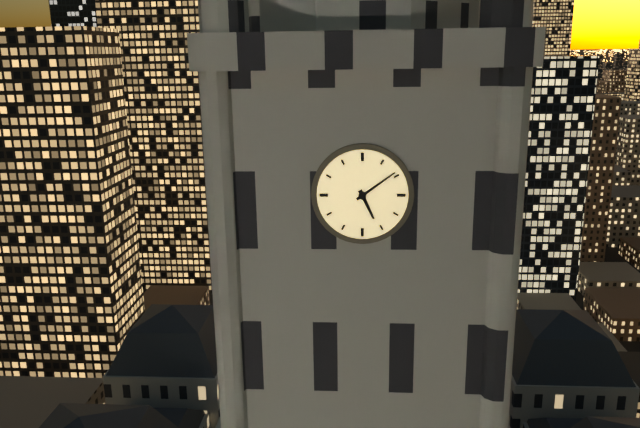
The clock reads 5:09
